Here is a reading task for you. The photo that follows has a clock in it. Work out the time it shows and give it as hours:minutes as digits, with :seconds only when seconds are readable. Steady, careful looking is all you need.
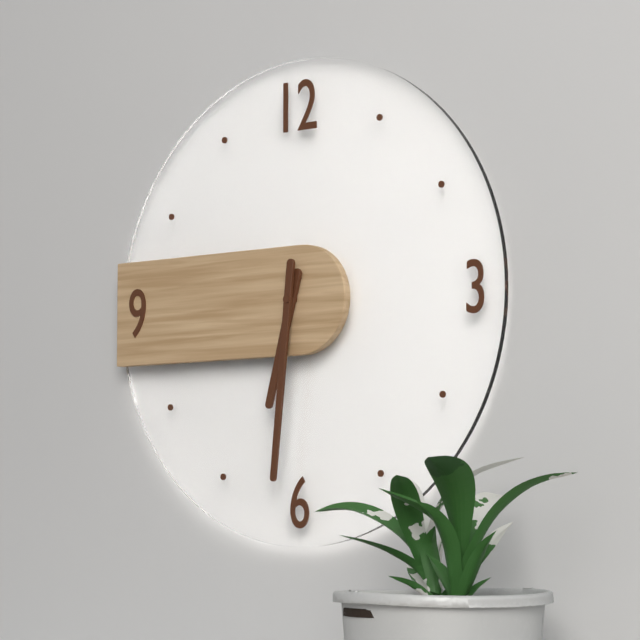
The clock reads 6:31
